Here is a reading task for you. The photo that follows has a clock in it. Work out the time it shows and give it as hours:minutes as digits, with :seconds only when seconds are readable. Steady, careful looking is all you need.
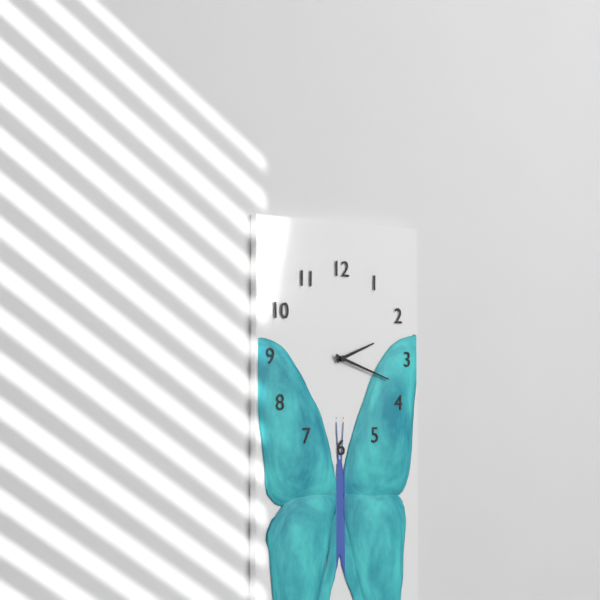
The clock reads 2:18
